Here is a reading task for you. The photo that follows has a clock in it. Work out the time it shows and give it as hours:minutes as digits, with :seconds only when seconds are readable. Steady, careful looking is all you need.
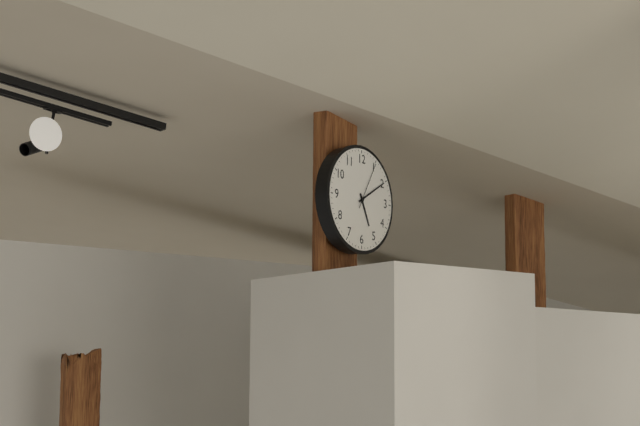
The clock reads 5:10
